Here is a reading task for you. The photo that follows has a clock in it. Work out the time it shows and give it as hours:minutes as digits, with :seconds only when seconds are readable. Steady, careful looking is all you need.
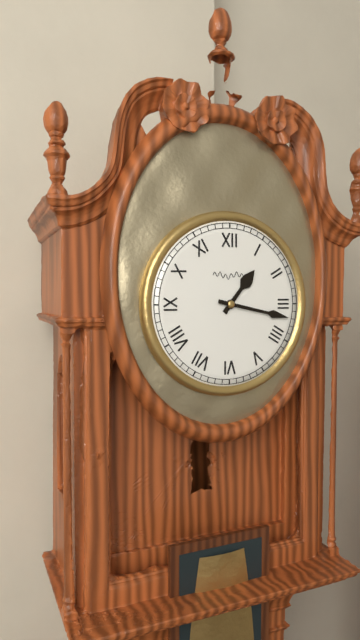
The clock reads 1:17
